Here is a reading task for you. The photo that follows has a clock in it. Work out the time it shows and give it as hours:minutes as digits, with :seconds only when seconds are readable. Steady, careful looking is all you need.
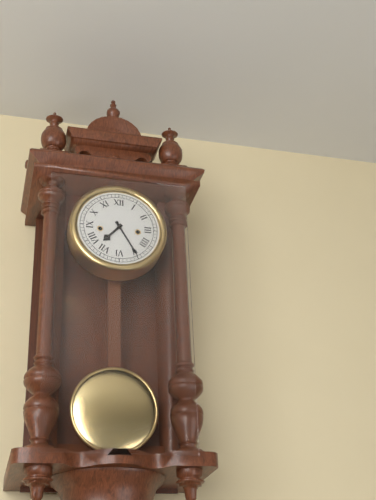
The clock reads 7:25
